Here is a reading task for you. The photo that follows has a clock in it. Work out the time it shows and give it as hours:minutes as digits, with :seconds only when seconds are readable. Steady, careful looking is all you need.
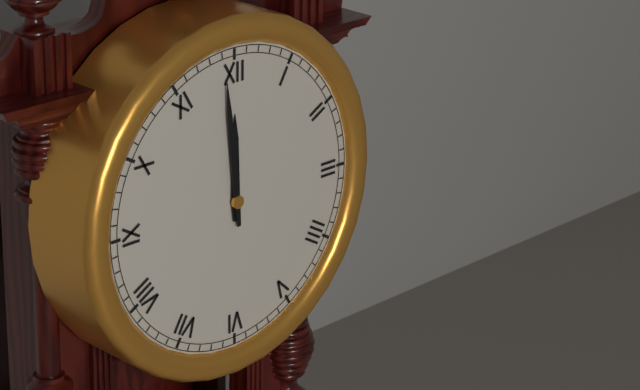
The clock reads 11:59
